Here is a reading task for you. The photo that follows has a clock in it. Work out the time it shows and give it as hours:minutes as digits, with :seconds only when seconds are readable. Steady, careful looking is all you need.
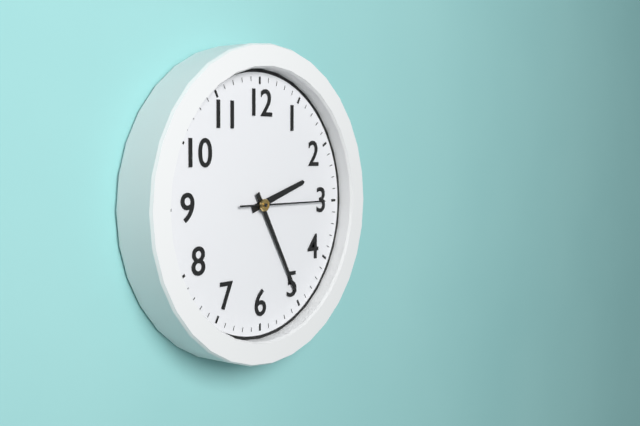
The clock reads 2:25:15
